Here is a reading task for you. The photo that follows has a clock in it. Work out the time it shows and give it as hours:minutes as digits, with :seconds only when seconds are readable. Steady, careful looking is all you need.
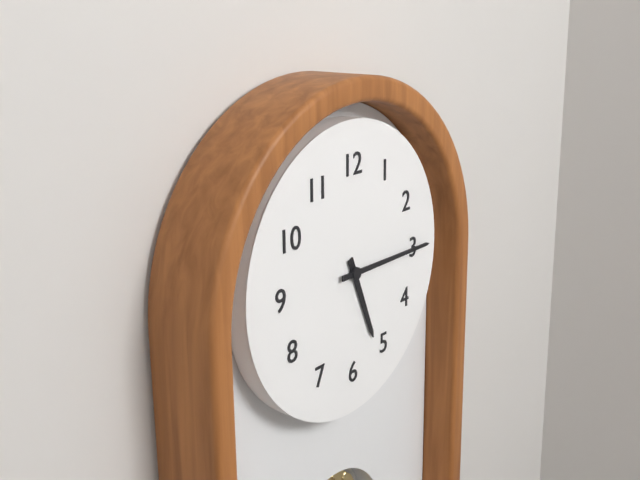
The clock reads 5:15
